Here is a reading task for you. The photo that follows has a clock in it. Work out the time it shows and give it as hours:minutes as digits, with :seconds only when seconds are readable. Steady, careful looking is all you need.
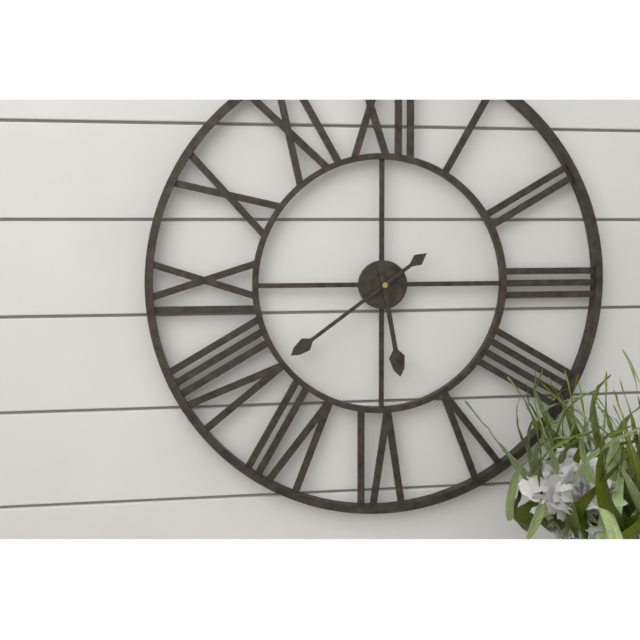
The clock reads 5:39
